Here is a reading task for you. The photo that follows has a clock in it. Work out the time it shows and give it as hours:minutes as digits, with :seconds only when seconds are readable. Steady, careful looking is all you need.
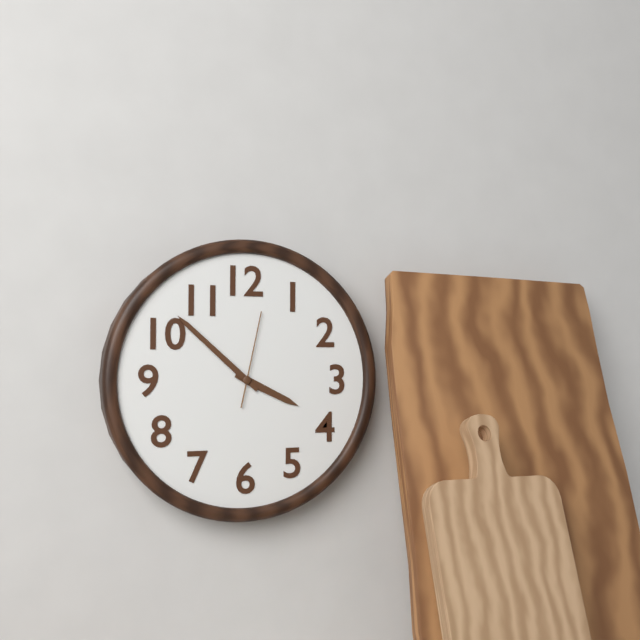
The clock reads 3:52:02
